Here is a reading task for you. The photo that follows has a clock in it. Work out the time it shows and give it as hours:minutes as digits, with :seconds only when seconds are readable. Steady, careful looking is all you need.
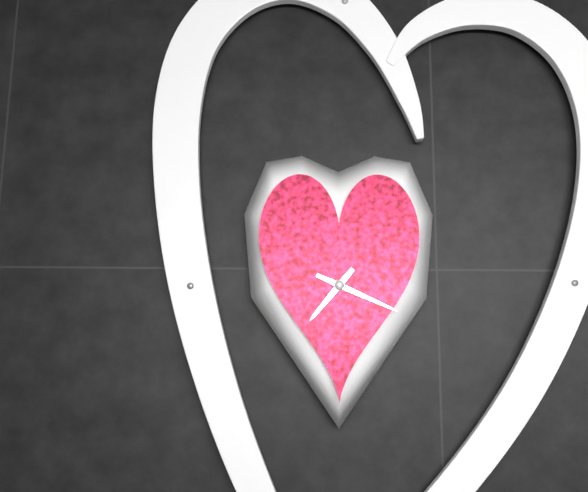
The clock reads 7:19
